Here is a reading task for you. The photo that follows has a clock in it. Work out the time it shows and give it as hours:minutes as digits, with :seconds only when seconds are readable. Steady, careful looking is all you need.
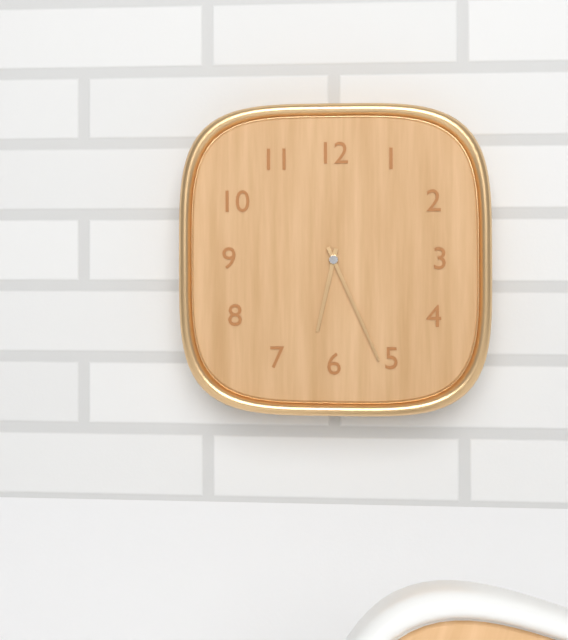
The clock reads 6:26
